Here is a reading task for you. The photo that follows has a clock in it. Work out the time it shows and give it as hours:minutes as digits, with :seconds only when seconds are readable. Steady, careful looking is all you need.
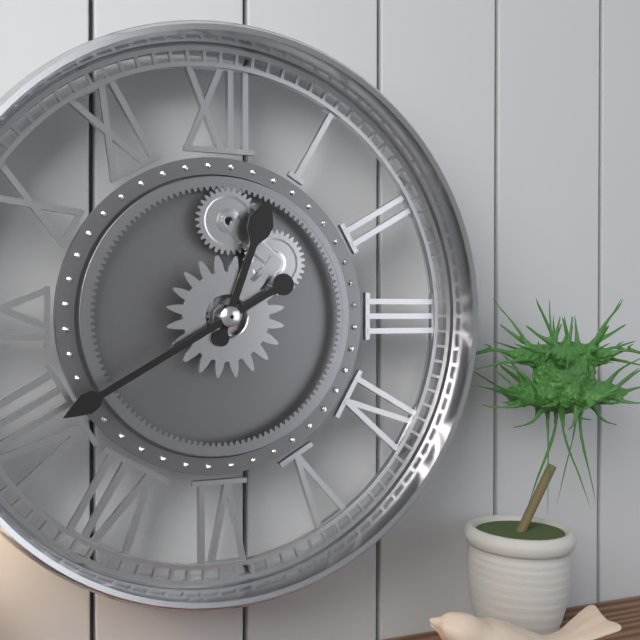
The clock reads 12:40
